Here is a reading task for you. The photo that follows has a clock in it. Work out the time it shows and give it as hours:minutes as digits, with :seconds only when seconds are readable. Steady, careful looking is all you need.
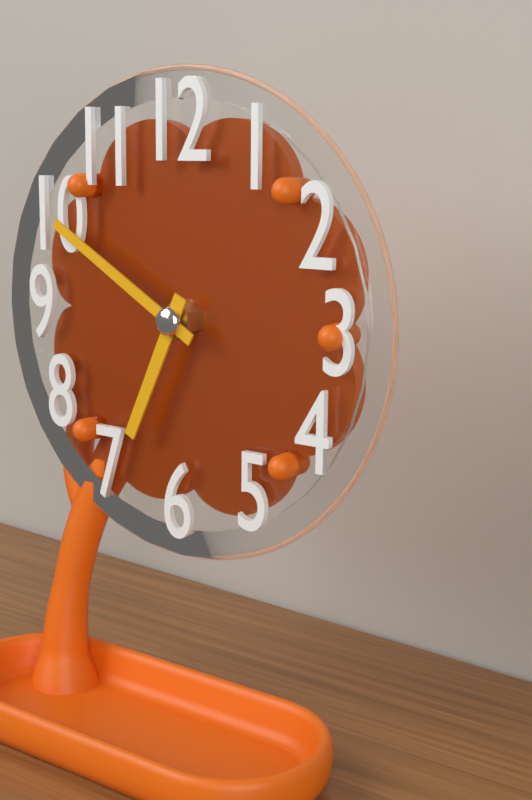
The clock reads 6:50
